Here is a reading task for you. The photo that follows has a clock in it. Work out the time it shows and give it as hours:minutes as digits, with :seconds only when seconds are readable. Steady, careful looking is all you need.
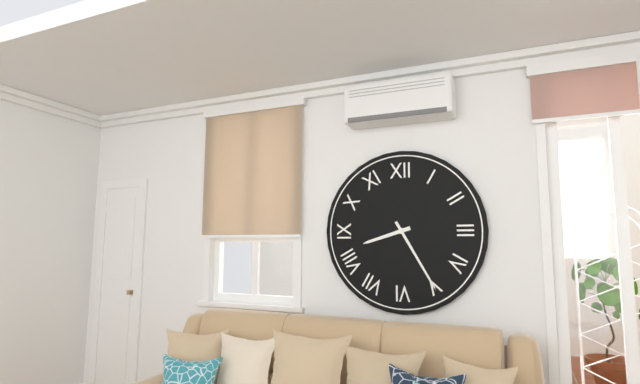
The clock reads 8:25
